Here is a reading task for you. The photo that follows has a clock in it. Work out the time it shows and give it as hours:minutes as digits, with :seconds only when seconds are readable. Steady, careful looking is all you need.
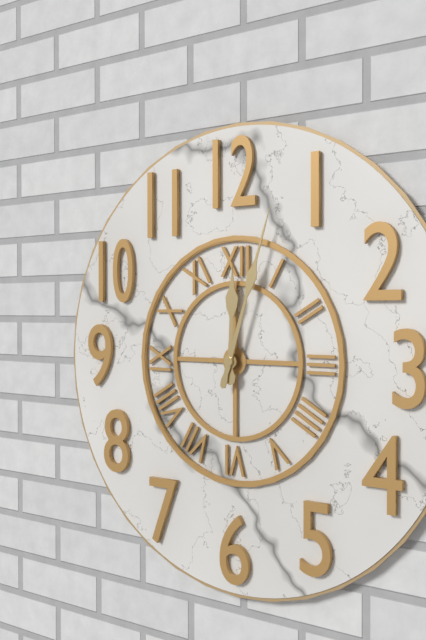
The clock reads 12:03
